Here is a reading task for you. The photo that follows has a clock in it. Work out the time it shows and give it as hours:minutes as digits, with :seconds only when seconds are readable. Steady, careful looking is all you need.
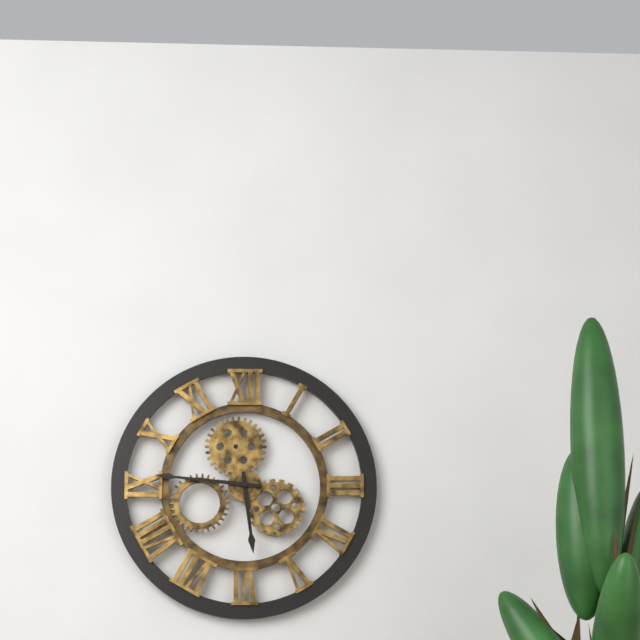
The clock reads 5:46
